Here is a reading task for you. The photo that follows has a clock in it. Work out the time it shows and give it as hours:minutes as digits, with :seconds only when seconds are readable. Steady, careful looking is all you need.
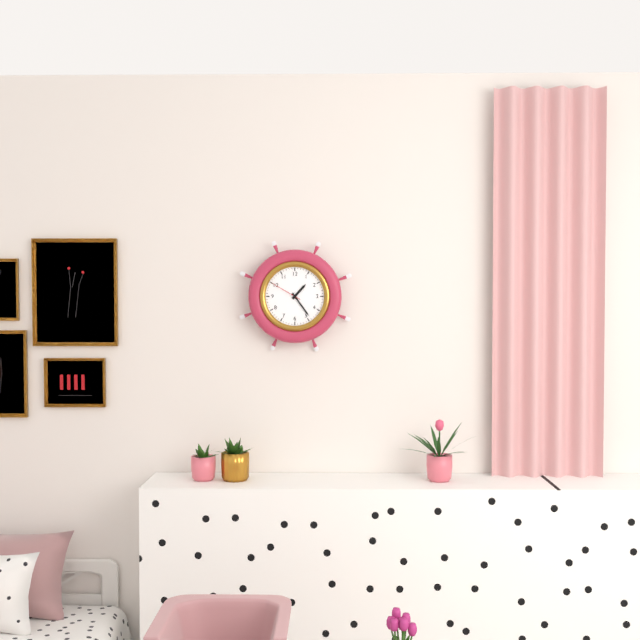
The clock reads 1:24
